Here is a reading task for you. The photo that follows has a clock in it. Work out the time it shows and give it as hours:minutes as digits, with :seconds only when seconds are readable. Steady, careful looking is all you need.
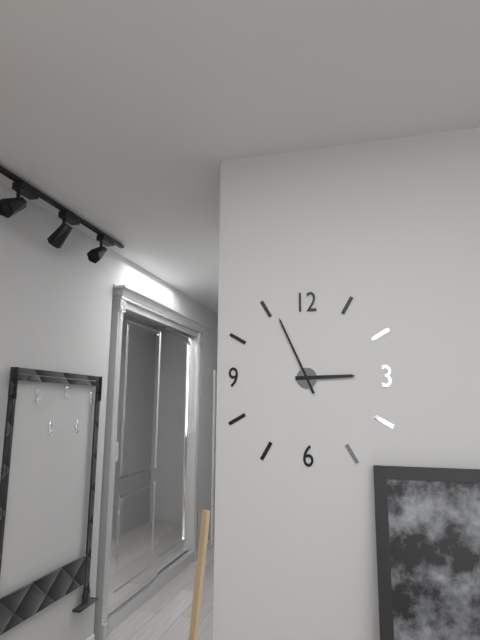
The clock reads 2:56
